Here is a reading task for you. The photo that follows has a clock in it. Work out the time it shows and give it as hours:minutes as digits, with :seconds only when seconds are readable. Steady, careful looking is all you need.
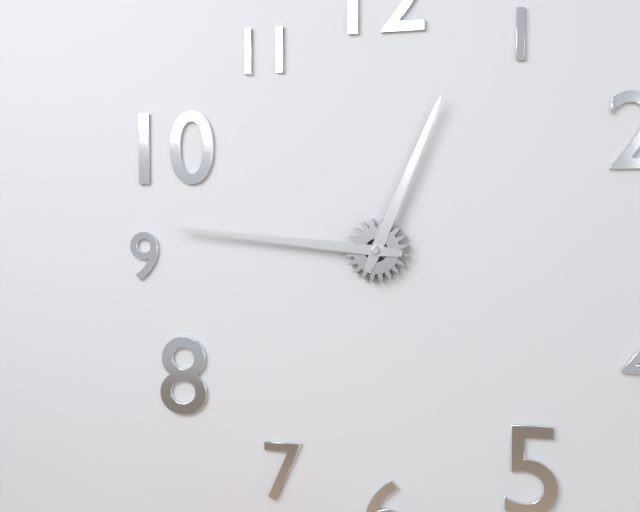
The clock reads 12:46
